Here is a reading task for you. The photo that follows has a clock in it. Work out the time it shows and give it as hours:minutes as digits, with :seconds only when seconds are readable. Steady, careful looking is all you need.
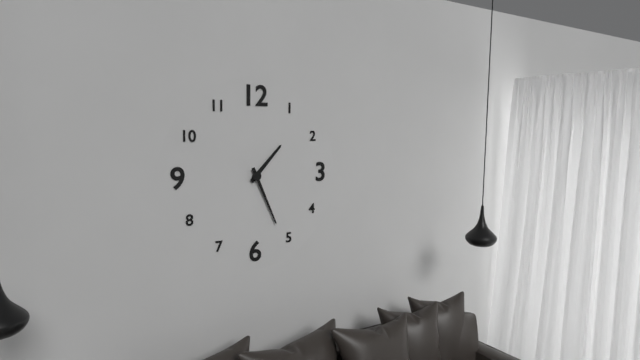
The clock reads 1:26
